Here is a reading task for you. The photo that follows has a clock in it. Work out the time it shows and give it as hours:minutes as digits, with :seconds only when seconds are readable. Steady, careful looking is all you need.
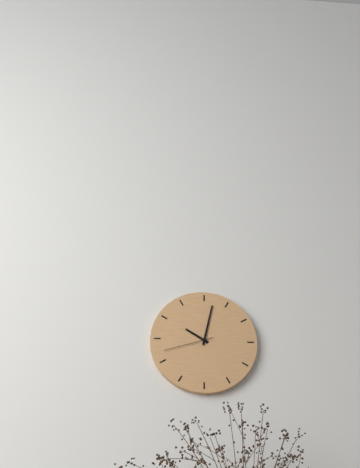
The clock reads 10:02:42
